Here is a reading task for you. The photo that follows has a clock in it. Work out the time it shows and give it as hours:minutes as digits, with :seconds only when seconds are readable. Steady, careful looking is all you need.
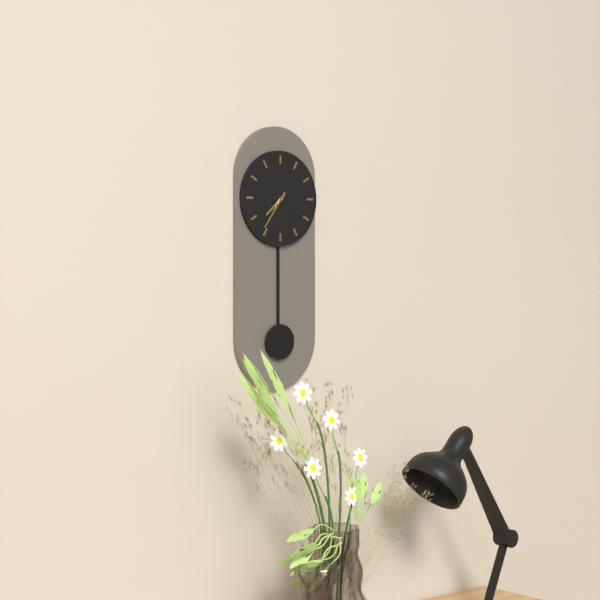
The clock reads 7:36
